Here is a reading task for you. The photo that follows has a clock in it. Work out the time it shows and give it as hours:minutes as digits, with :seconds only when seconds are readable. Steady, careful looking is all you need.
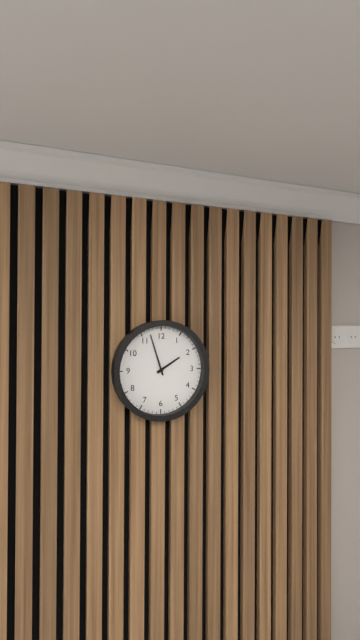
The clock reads 1:57
